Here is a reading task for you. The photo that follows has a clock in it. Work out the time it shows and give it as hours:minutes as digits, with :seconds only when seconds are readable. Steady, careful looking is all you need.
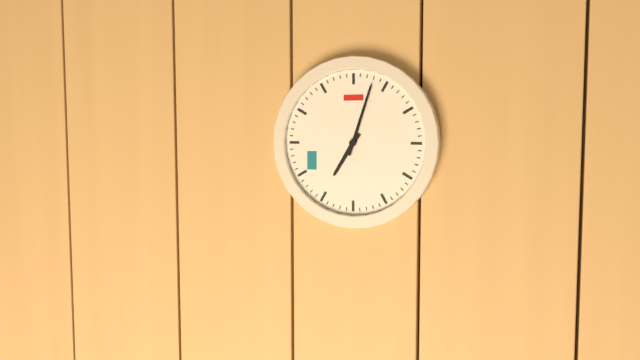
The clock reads 7:03
